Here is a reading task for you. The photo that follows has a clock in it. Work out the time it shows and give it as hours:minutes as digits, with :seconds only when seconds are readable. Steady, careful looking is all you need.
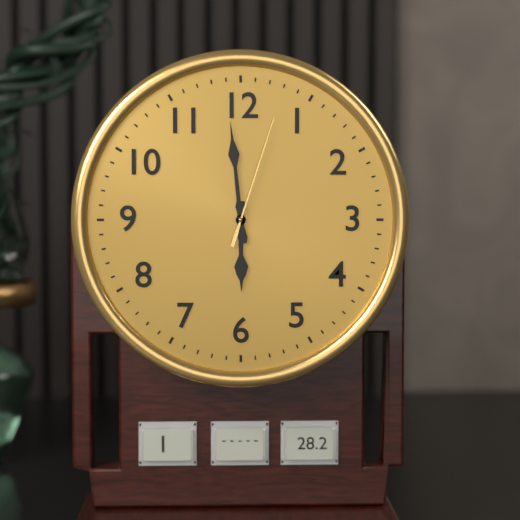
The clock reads 5:59:03
